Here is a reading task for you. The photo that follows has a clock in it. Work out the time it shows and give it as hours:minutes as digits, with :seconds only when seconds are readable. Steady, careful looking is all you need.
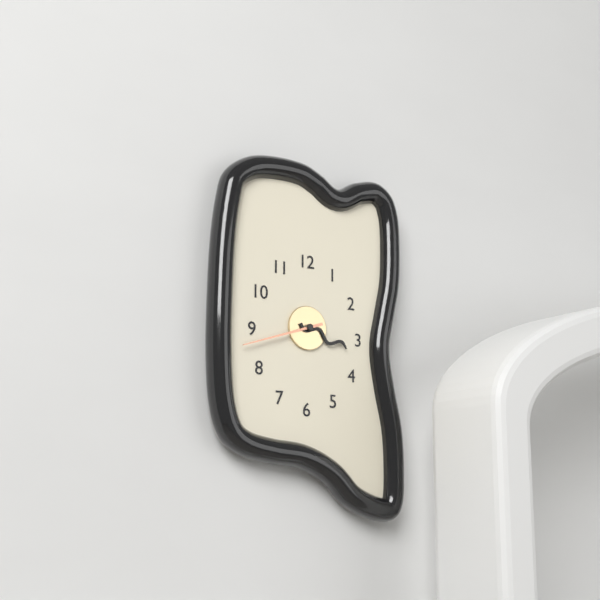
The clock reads 3:42
